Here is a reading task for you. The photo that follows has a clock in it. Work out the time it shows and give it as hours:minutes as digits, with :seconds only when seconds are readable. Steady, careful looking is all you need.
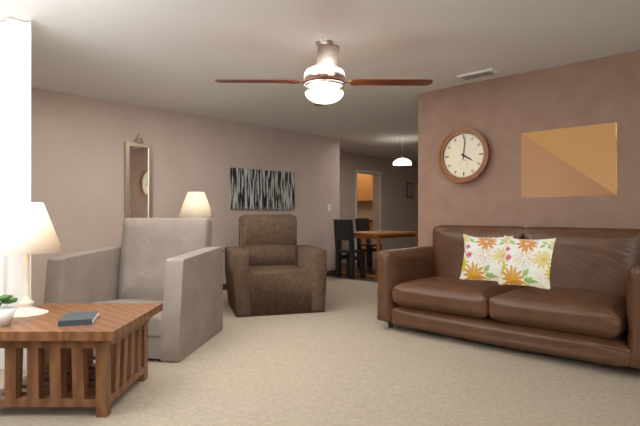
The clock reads 4:01
